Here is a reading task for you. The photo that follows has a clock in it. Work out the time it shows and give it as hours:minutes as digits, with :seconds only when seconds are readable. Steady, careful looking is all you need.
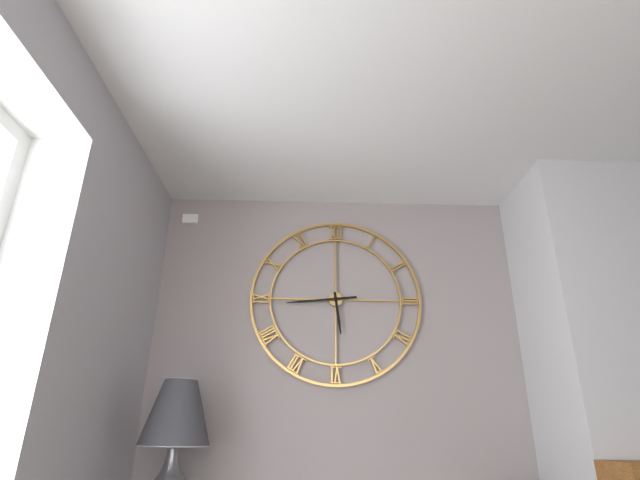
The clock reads 5:44
